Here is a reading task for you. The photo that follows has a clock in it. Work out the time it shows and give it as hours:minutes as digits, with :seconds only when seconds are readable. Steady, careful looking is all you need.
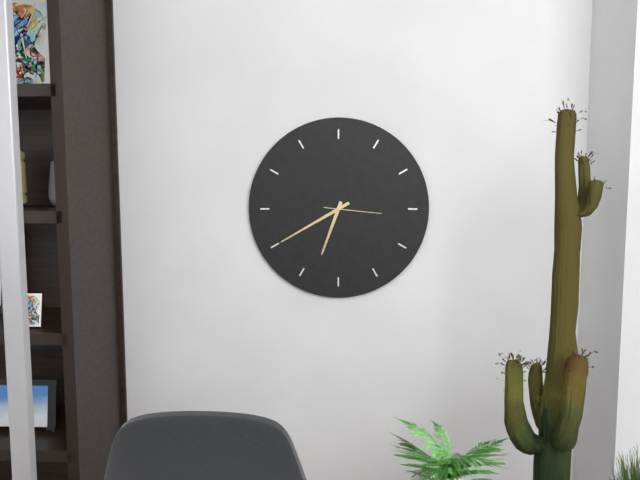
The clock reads 6:40:16
